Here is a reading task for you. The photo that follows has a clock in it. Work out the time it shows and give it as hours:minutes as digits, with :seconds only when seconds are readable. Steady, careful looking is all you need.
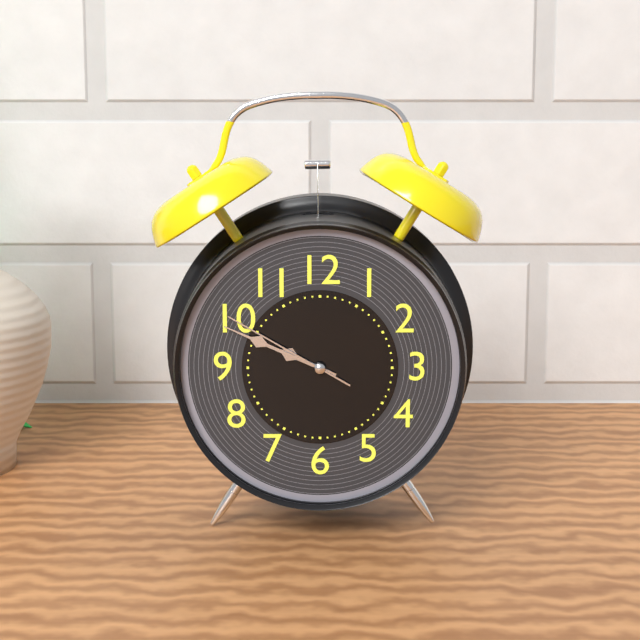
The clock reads 9:49:50
